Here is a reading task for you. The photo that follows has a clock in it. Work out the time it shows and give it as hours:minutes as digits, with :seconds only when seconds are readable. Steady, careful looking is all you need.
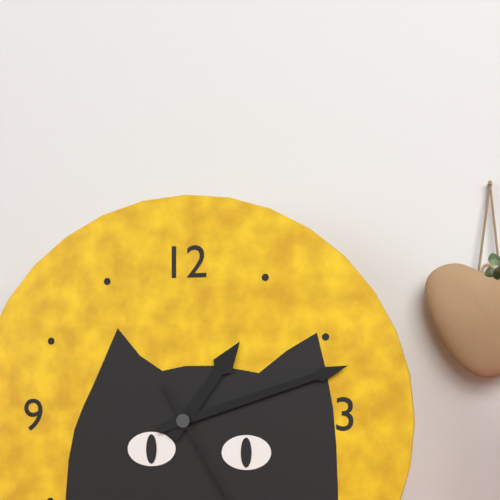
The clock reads 1:12
